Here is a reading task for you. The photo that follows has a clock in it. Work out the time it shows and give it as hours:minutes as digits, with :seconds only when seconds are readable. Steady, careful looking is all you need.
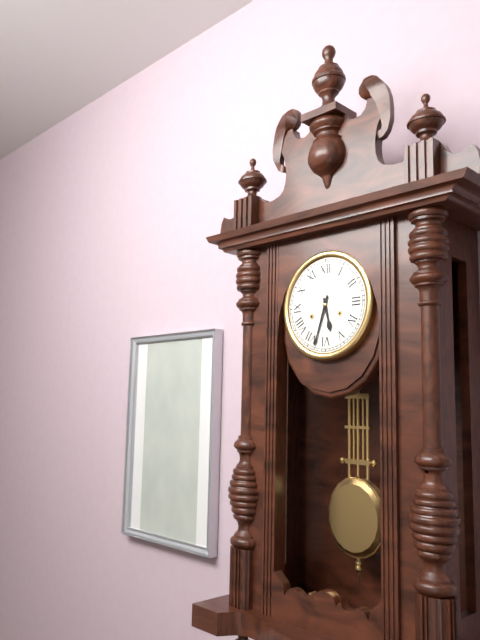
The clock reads 5:33
